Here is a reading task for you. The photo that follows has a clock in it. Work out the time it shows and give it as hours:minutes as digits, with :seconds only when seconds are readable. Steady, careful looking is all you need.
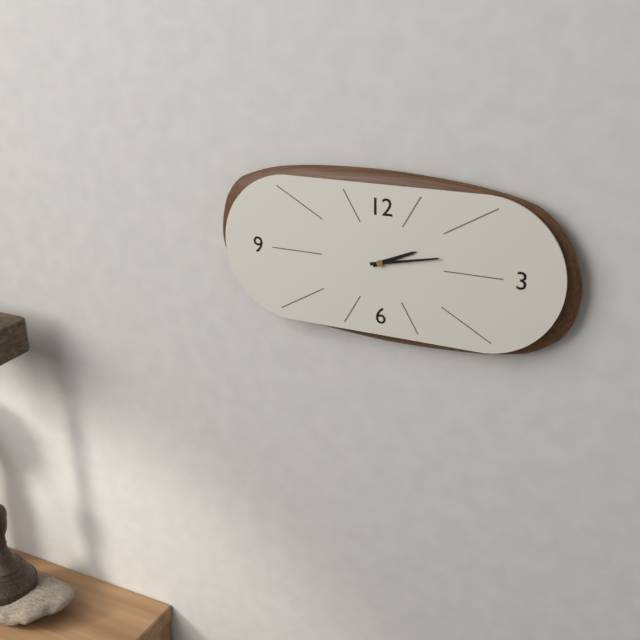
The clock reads 2:13
